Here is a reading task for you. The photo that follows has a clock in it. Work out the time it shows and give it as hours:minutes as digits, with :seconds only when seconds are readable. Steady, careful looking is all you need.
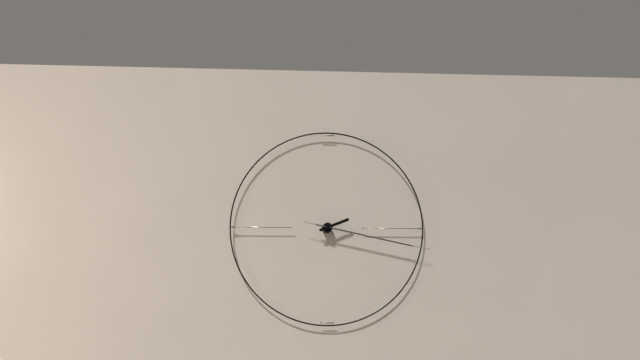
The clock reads 2:17:17
